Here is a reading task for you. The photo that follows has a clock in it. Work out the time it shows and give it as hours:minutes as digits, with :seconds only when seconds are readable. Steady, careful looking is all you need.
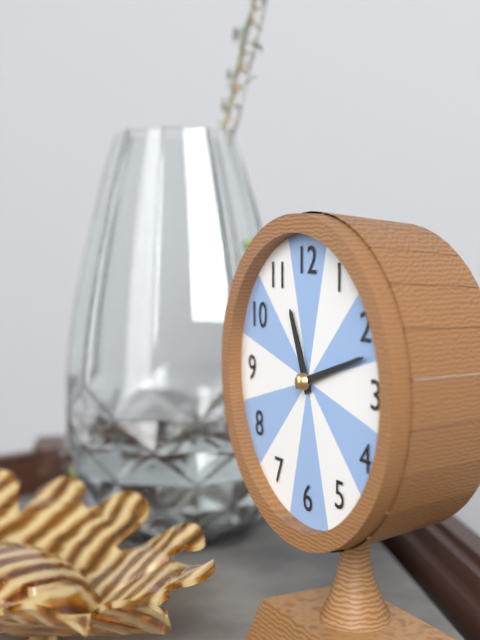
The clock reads 11:12
